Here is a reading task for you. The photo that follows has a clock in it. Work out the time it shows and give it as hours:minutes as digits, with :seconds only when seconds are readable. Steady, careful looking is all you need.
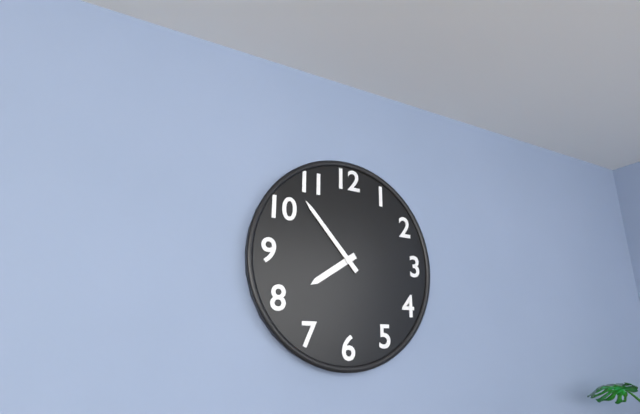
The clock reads 7:53
